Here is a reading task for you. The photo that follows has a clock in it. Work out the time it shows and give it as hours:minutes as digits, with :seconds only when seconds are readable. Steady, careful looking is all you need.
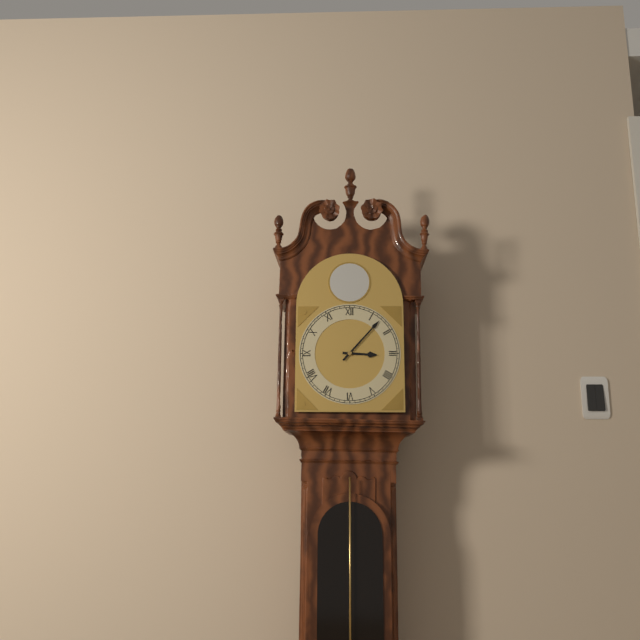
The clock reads 3:07
